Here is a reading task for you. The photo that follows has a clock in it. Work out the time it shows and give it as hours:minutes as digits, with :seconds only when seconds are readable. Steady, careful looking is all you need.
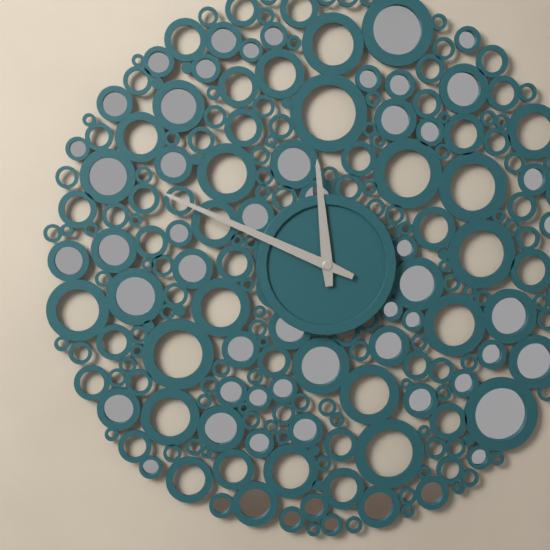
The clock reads 11:49
